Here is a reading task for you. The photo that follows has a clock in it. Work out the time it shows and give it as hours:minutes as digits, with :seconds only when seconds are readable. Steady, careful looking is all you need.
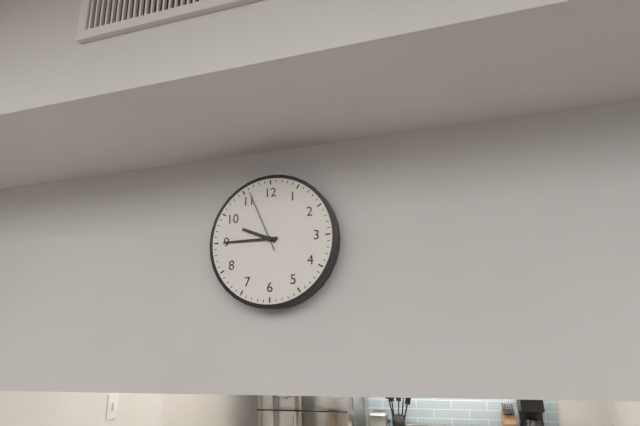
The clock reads 9:45:56
